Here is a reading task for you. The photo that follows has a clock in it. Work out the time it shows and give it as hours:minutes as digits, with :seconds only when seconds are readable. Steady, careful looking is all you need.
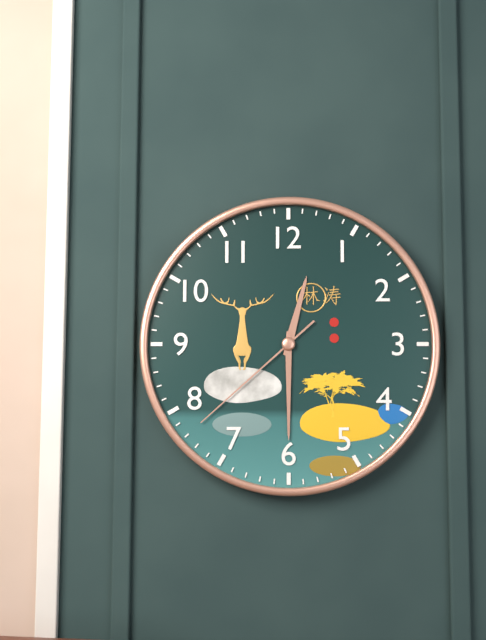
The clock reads 12:30:38
